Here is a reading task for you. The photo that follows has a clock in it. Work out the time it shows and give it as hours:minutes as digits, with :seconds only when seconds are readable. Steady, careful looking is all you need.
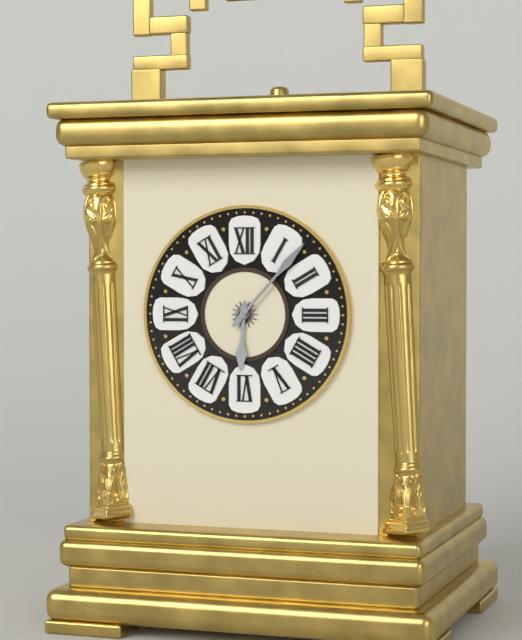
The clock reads 6:07
